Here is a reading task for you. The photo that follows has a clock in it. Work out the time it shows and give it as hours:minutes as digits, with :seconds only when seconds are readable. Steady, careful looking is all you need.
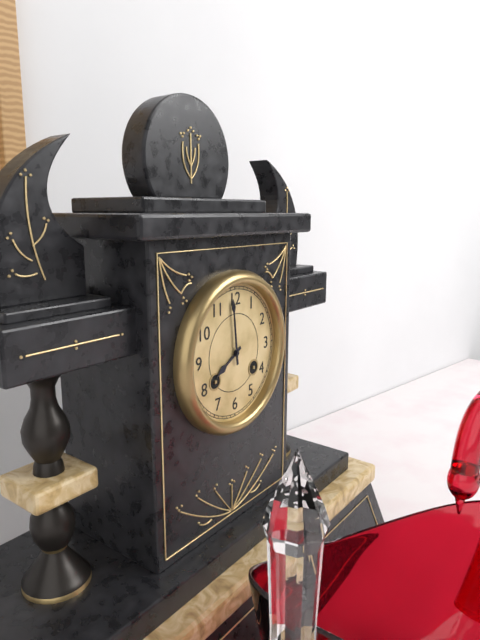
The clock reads 7:59
